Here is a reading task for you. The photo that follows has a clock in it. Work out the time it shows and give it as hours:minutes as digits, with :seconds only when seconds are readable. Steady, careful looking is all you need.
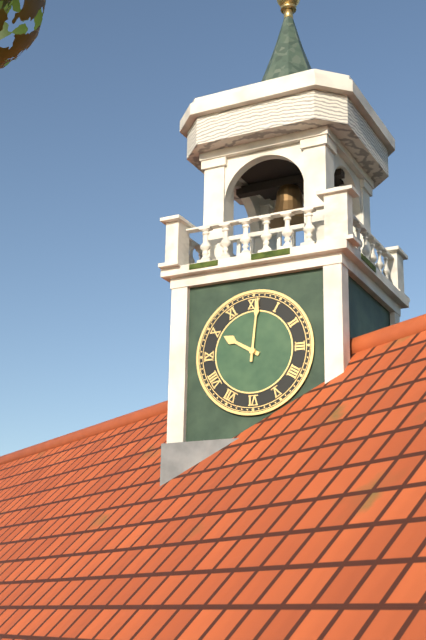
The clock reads 10:01
